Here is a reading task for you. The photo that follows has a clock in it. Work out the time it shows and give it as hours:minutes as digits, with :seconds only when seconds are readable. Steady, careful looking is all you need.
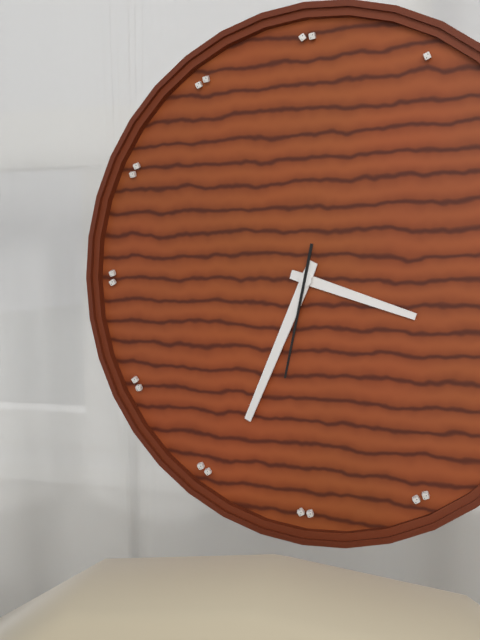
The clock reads 3:34:32
